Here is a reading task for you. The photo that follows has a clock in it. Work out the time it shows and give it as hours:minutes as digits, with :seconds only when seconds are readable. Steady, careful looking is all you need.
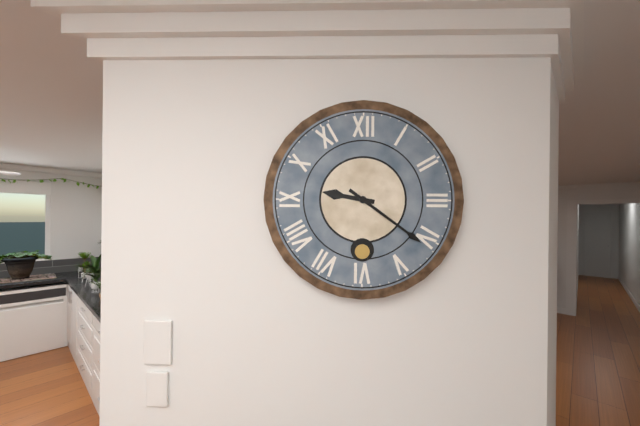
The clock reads 9:21
